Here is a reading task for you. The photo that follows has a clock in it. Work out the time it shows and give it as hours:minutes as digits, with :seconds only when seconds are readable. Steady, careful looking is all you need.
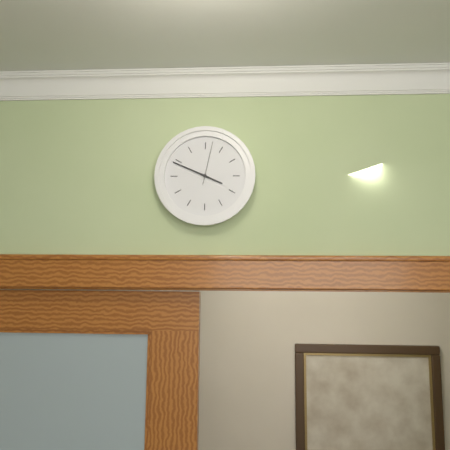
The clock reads 3:49
